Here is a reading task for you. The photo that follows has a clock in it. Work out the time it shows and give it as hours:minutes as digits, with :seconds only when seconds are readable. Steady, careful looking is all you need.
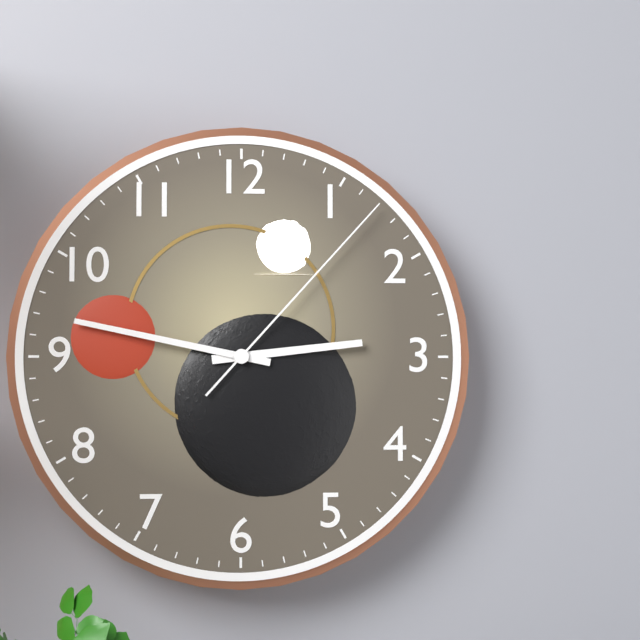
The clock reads 2:47:07
